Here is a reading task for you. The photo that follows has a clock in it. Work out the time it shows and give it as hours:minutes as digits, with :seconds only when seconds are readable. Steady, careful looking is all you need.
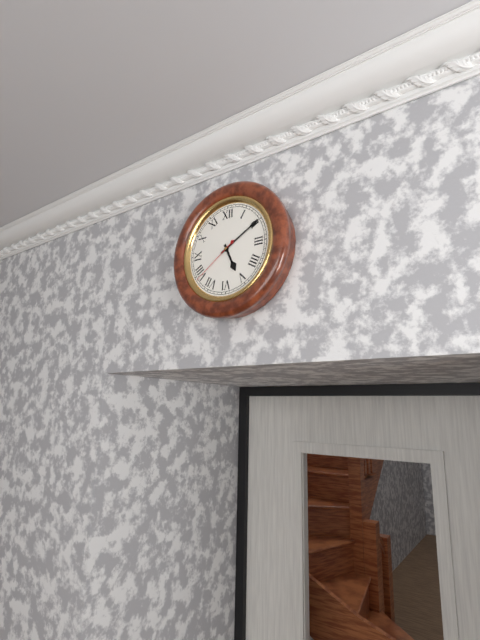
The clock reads 5:10:39
